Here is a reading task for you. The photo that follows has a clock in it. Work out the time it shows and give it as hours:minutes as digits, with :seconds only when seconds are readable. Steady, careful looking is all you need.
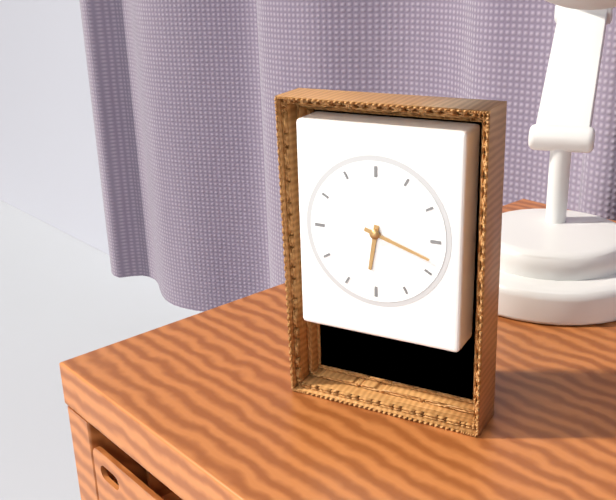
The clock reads 6:18
